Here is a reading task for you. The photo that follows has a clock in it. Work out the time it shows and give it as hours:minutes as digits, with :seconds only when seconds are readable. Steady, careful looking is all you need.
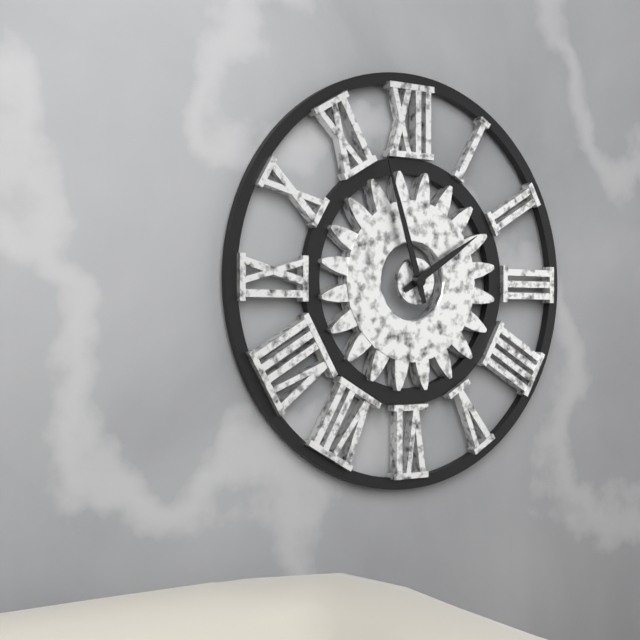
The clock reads 1:57
